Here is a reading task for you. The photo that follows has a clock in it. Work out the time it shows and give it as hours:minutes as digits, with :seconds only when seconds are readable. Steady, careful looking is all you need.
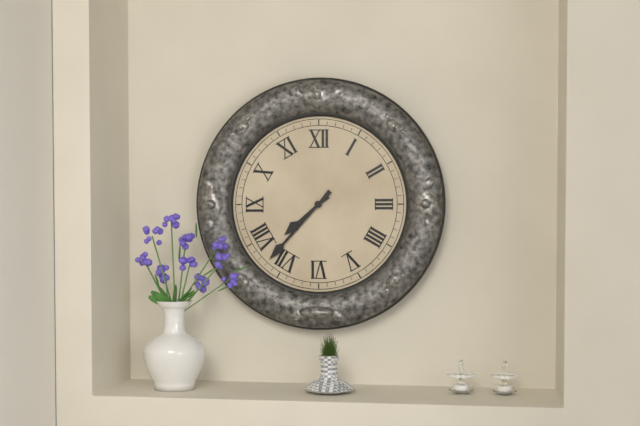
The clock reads 7:37
